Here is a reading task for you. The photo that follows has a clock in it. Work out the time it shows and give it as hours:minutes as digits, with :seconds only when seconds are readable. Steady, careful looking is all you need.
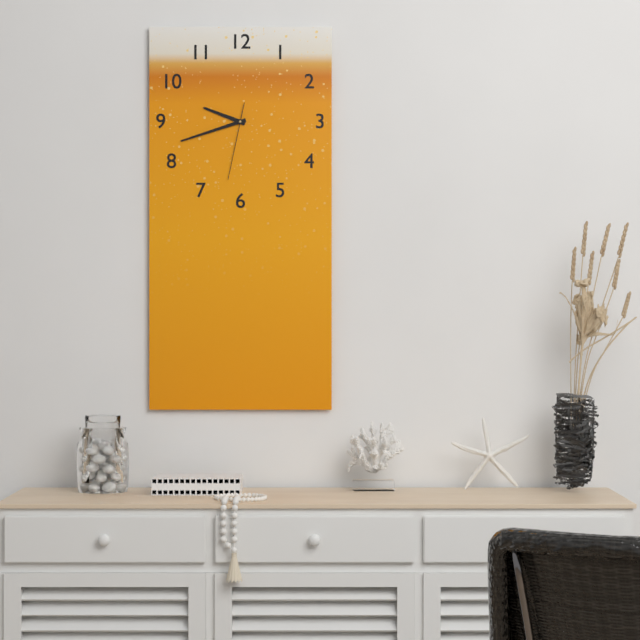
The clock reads 9:42:32
